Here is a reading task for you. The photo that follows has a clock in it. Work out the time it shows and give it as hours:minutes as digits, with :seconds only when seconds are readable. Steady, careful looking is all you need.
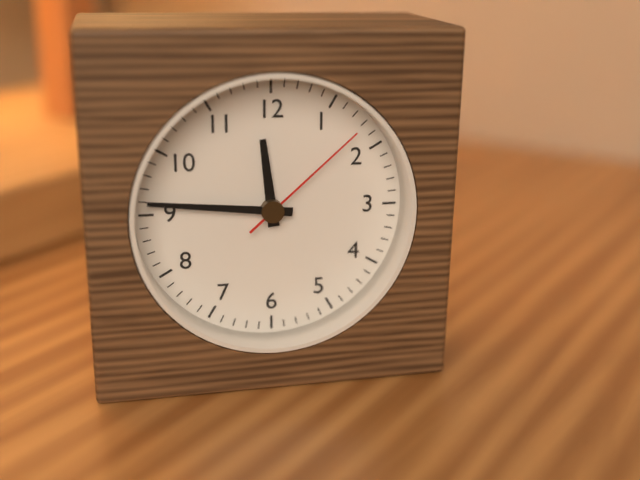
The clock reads 11:46:08
